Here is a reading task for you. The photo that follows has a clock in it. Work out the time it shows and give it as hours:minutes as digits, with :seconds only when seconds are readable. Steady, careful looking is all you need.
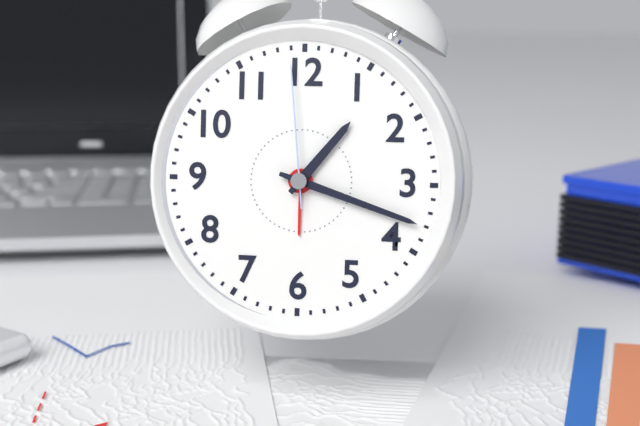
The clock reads 1:18:59
